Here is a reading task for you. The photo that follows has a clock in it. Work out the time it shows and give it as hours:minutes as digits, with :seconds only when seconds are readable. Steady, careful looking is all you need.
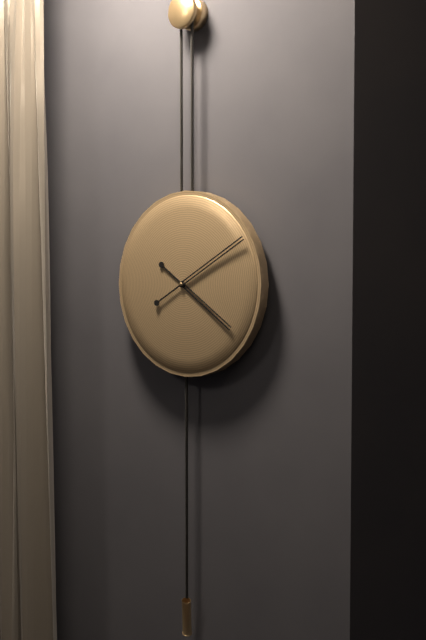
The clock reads 4:10
